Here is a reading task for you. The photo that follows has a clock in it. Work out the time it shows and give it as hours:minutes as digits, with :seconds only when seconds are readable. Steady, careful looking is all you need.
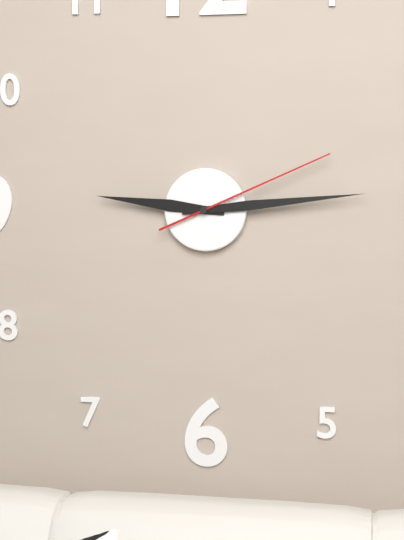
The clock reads 9:14:11
